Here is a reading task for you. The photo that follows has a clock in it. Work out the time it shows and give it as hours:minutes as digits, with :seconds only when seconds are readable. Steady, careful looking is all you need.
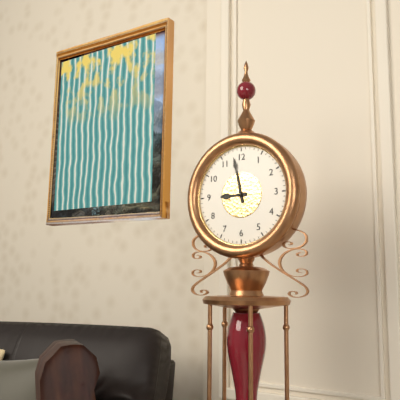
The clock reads 8:58
